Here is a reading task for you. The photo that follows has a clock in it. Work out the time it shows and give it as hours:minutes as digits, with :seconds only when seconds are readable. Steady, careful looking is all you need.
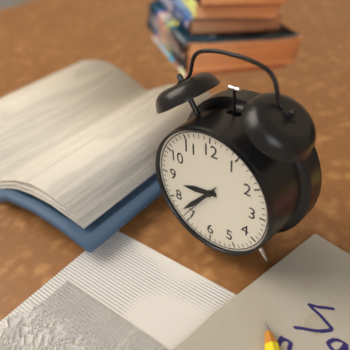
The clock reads 8:37
